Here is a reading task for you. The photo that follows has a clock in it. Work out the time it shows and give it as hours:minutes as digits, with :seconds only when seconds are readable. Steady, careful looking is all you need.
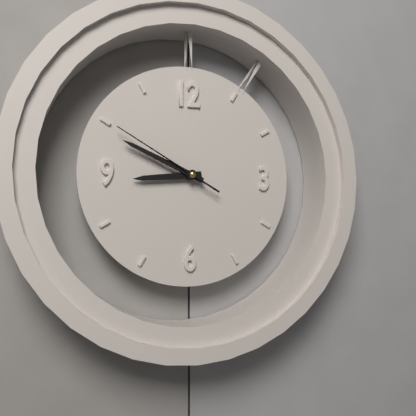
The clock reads 8:49:50
